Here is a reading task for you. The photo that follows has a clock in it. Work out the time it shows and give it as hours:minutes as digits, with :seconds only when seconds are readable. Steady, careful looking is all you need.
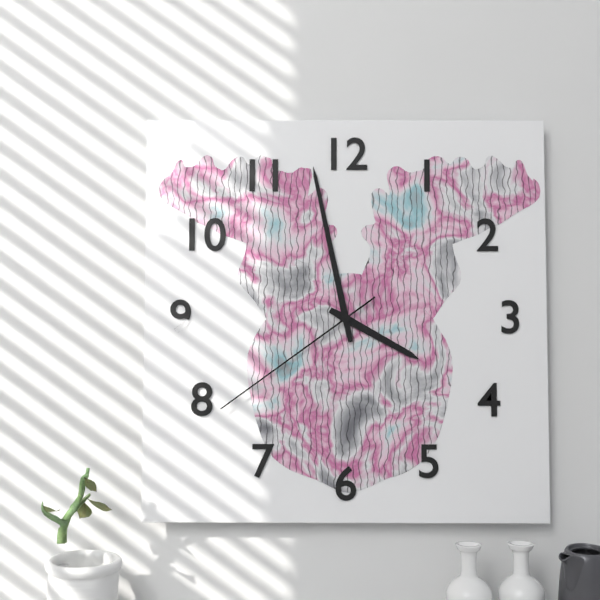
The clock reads 3:58:39
